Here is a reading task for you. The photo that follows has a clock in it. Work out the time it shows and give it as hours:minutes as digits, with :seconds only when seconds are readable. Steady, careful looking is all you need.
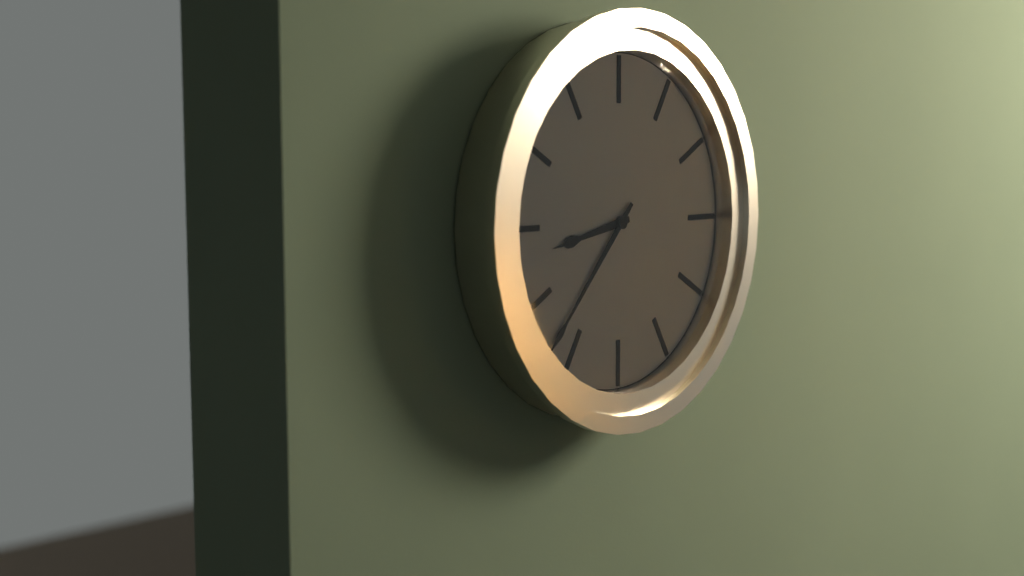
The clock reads 8:37
